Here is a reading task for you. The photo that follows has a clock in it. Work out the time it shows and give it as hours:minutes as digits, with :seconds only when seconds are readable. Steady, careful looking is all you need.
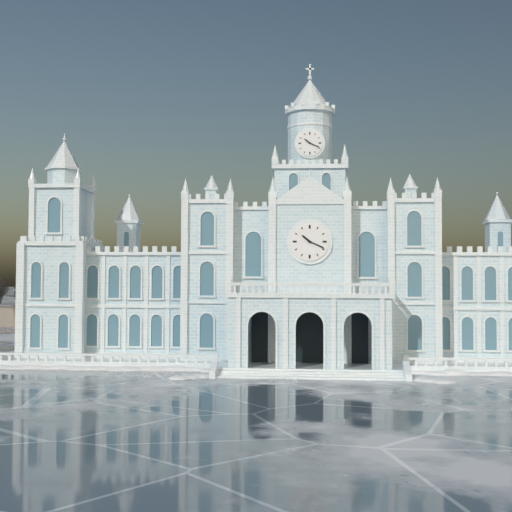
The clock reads 10:19
